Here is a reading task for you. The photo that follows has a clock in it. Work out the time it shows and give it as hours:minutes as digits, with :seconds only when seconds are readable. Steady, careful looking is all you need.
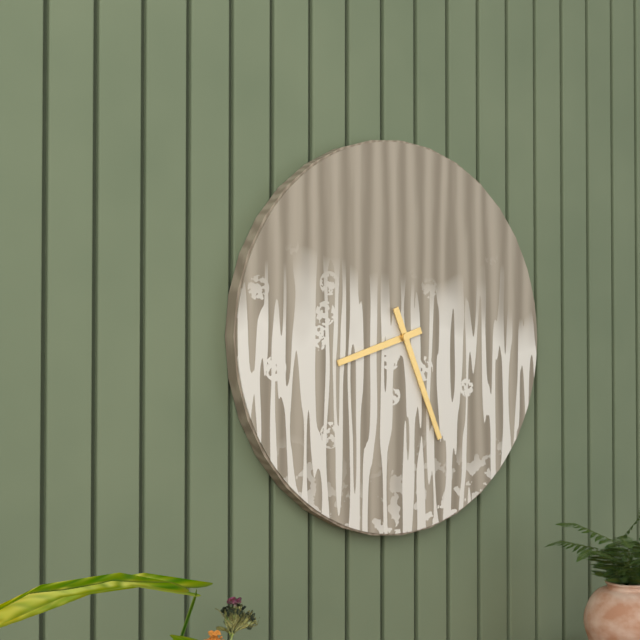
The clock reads 8:26
